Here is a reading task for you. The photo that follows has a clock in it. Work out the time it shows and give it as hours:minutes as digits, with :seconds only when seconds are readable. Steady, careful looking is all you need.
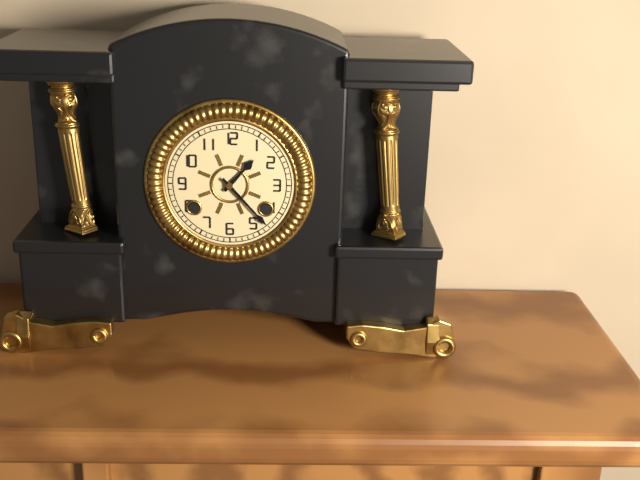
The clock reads 1:23
